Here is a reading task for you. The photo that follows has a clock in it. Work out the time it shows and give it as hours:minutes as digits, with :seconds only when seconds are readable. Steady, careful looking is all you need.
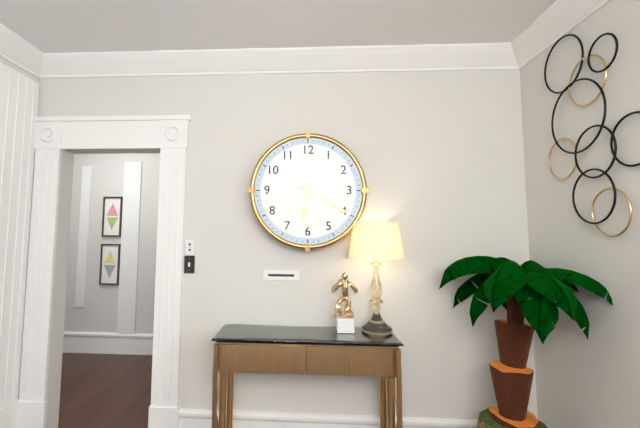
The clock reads 6:20
